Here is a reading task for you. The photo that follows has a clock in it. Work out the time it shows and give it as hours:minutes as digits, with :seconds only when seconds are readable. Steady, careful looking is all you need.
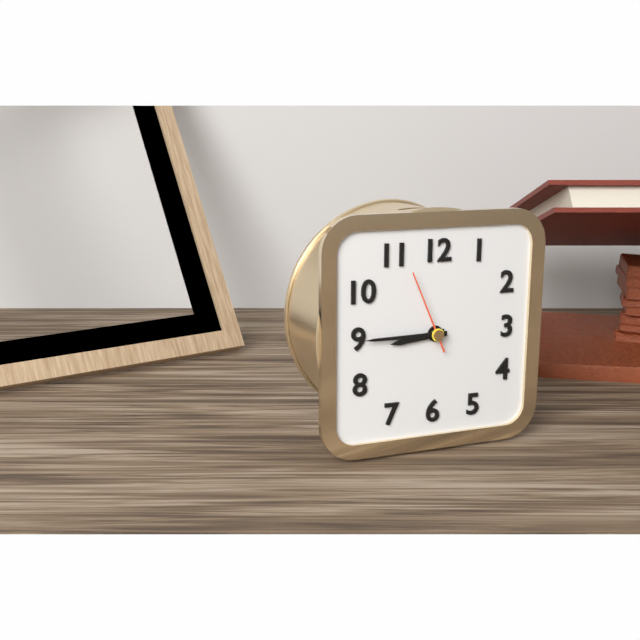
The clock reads 8:45:56
